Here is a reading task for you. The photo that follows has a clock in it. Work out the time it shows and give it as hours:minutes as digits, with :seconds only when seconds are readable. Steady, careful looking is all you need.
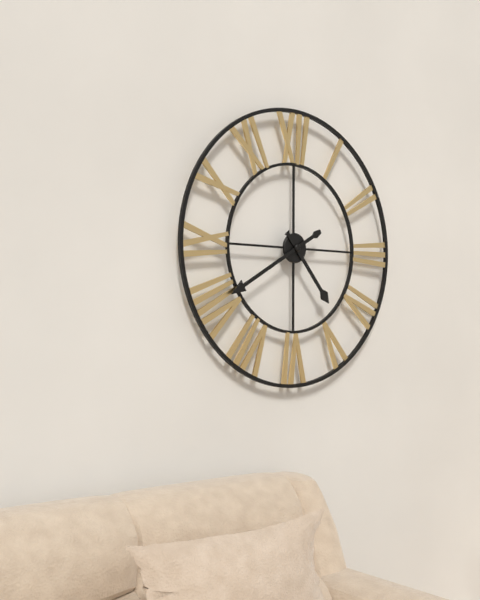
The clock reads 4:40
